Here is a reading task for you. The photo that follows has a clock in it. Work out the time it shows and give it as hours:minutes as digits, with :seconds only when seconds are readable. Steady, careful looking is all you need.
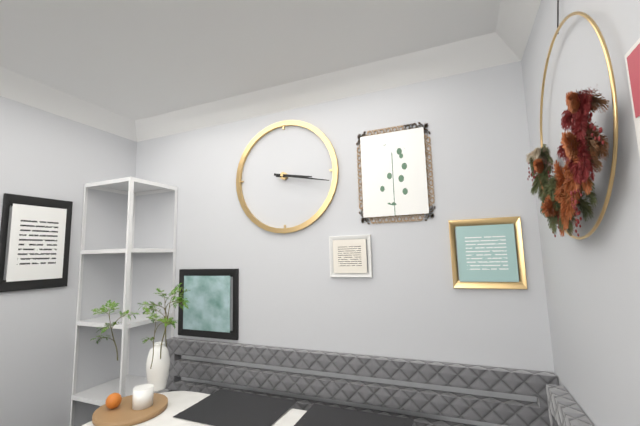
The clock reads 3:17
